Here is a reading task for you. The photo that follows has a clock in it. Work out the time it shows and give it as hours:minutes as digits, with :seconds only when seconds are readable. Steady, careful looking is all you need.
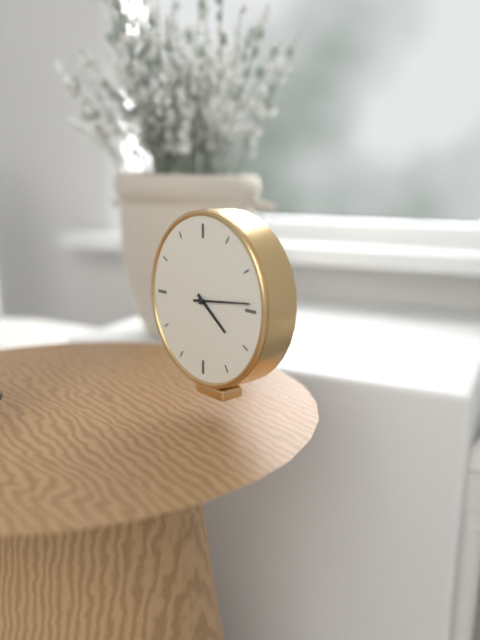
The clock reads 4:14
